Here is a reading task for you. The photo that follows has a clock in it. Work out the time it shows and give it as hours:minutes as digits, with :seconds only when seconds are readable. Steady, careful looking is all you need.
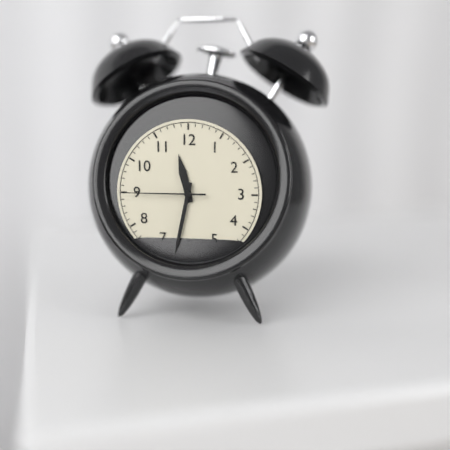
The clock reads 11:32:45
